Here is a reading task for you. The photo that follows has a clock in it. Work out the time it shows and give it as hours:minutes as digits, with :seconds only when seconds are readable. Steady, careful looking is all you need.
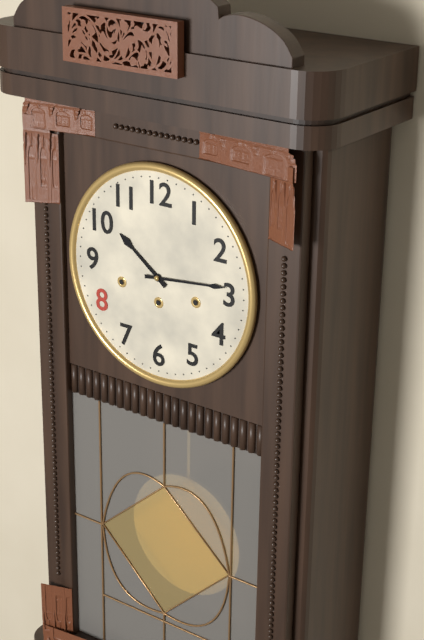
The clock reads 10:14
